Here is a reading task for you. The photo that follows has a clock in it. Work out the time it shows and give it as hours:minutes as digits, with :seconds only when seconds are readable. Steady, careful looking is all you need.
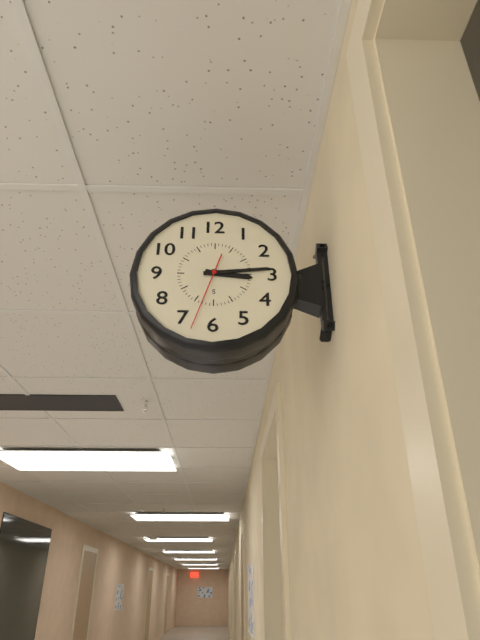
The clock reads 3:14:33
